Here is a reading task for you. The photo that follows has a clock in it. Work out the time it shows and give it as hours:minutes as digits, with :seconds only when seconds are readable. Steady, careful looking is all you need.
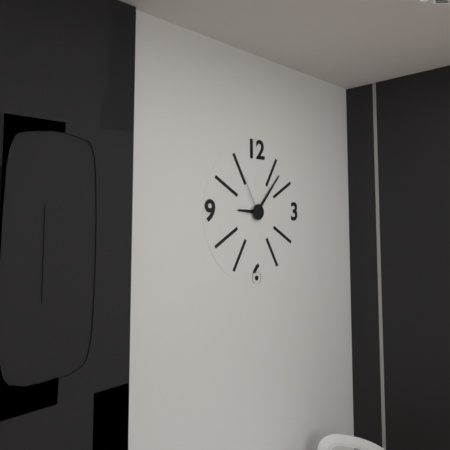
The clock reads 9:07
